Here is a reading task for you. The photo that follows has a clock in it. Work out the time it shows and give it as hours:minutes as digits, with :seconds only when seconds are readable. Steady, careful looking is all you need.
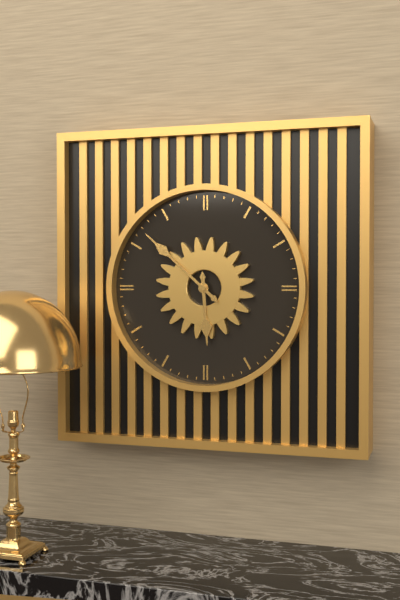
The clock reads 5:52
